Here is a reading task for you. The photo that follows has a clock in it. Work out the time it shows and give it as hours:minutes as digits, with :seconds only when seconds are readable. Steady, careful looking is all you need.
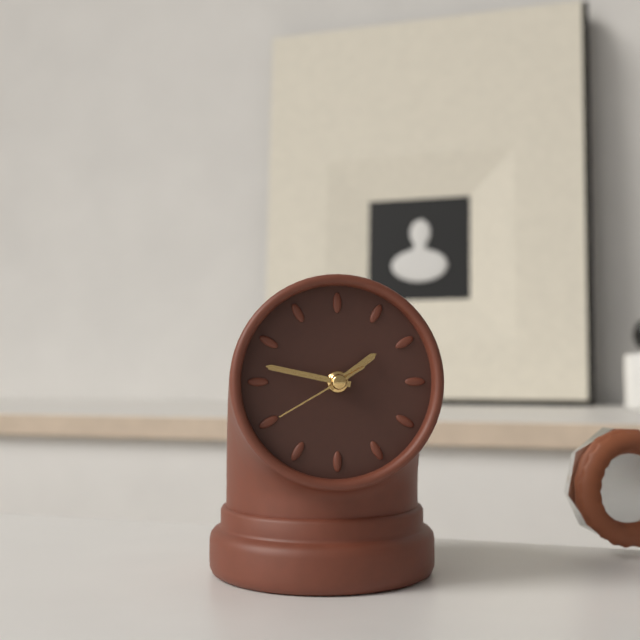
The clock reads 1:47:40
